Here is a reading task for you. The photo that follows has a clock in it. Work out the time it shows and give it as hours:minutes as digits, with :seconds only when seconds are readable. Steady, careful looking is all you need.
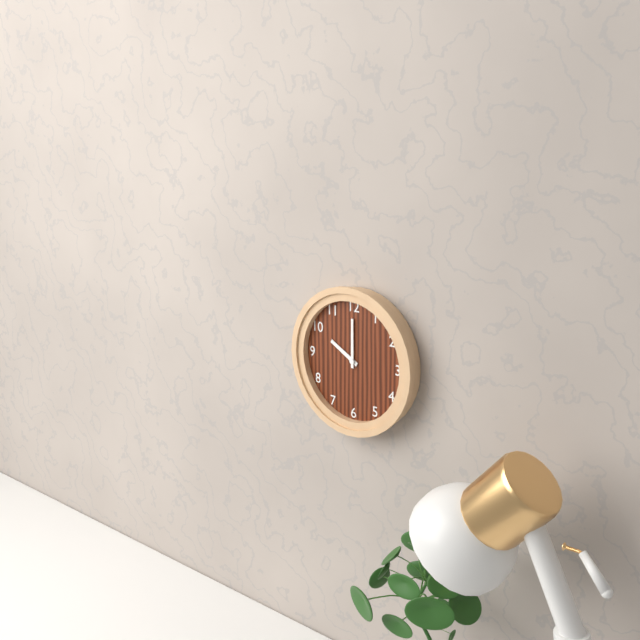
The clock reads 10:00
